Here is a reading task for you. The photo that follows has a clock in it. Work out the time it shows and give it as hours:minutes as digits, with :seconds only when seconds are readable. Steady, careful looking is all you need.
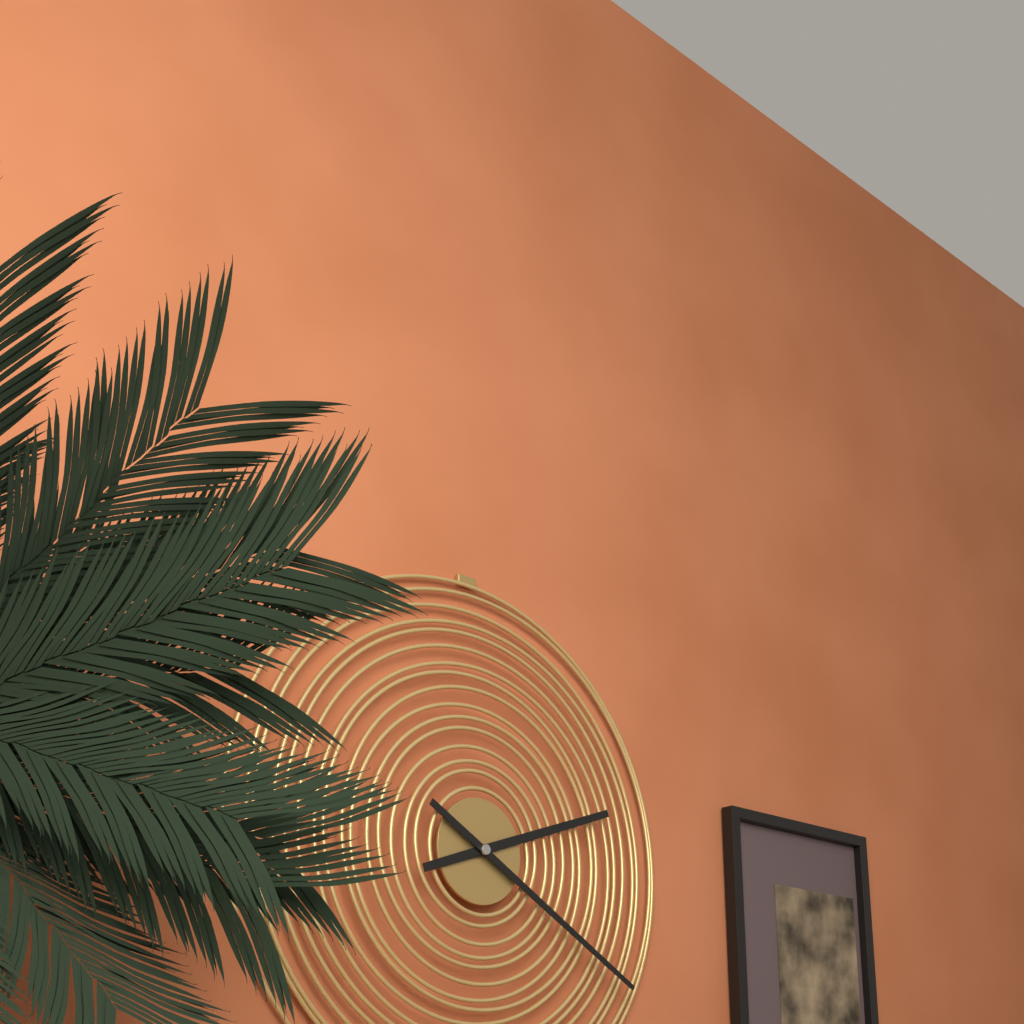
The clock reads 2:20
